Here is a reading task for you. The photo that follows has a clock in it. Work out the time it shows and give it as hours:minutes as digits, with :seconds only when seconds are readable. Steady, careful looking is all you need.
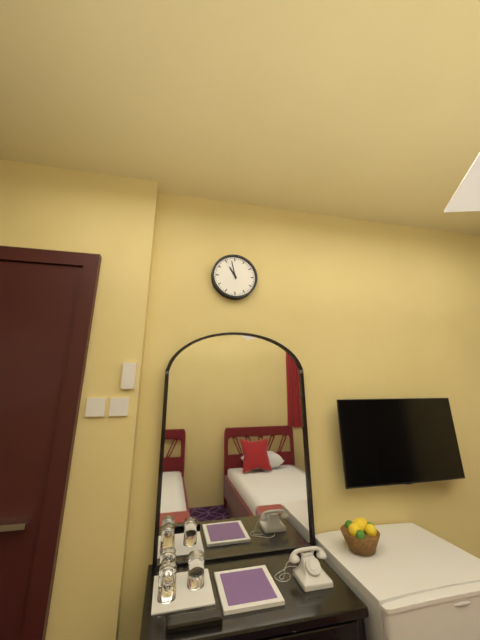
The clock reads 10:58
